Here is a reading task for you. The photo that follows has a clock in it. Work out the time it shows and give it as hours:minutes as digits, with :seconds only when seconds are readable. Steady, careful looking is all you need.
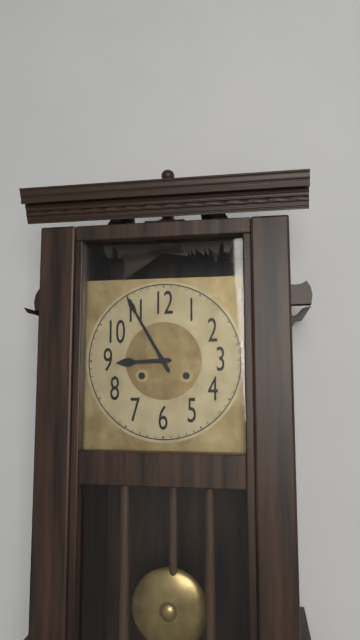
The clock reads 8:55
